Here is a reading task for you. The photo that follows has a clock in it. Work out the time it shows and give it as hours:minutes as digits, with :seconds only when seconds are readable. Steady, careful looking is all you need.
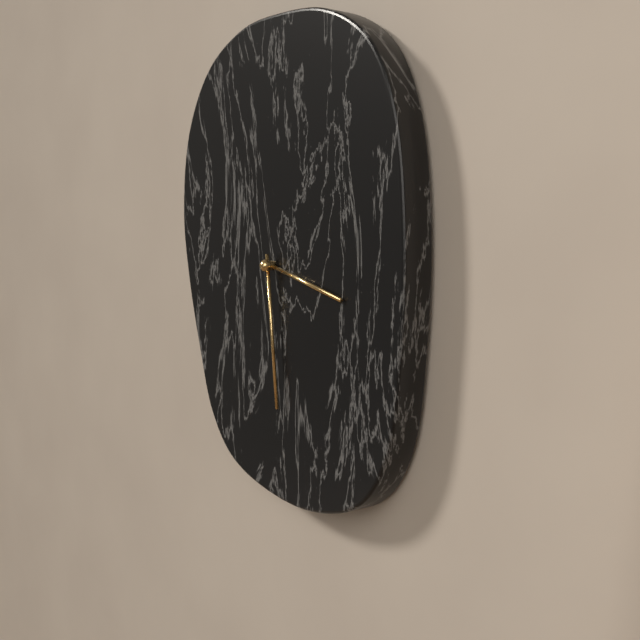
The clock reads 3:29
